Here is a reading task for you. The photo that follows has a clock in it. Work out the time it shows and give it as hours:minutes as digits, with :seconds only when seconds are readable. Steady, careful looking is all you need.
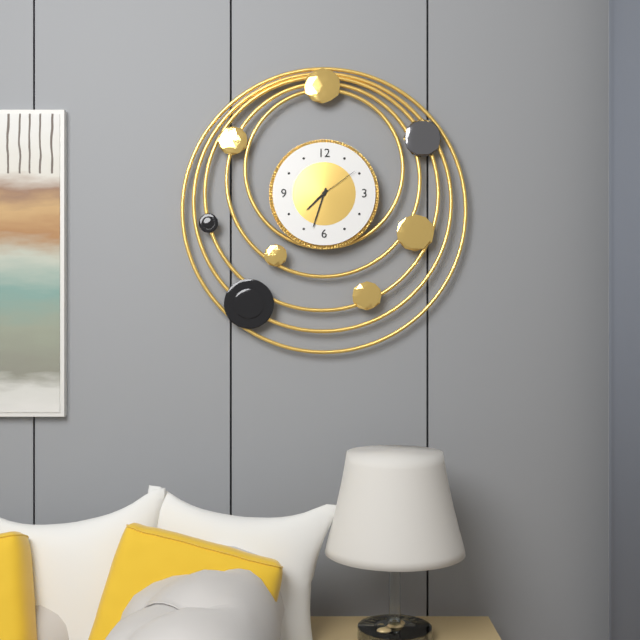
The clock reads 7:33
